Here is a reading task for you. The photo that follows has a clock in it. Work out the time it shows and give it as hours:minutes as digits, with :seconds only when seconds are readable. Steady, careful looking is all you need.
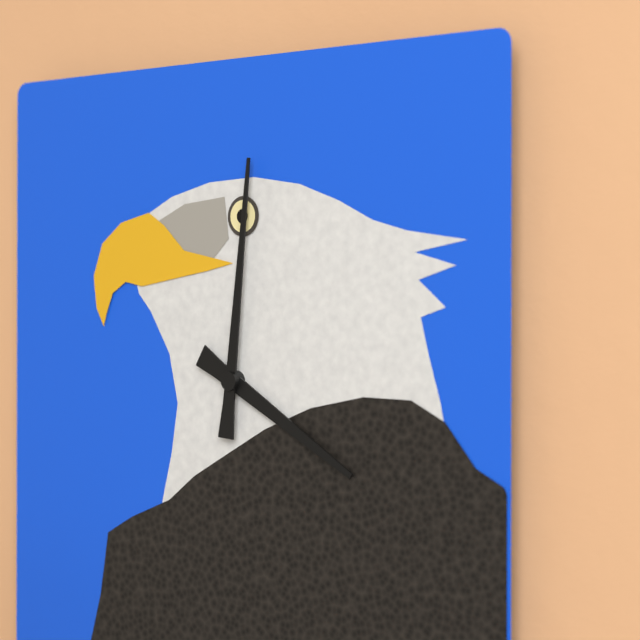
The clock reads 4:01
